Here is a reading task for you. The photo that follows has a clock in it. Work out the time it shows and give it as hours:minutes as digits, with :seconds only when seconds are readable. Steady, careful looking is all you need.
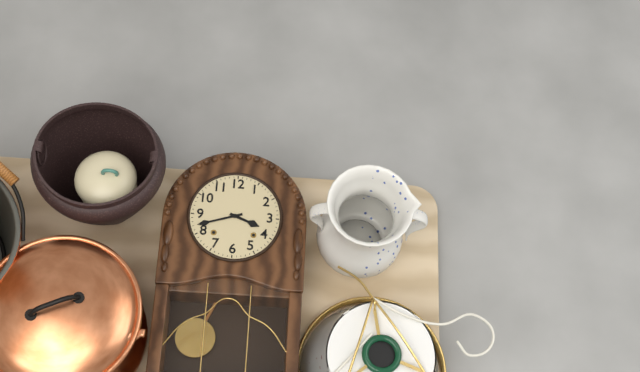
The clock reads 3:42
